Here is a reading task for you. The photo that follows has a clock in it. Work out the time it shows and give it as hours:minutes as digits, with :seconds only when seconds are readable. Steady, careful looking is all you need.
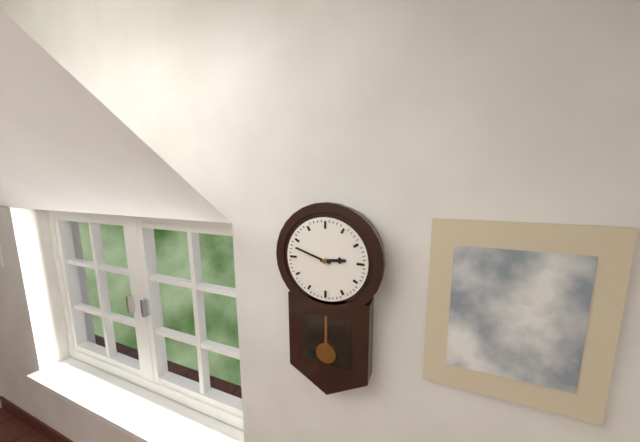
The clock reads 2:48
